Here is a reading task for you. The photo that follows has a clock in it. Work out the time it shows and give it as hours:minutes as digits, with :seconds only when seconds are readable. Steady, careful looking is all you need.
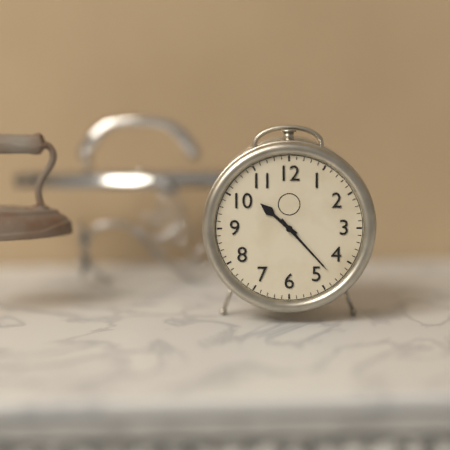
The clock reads 10:23
